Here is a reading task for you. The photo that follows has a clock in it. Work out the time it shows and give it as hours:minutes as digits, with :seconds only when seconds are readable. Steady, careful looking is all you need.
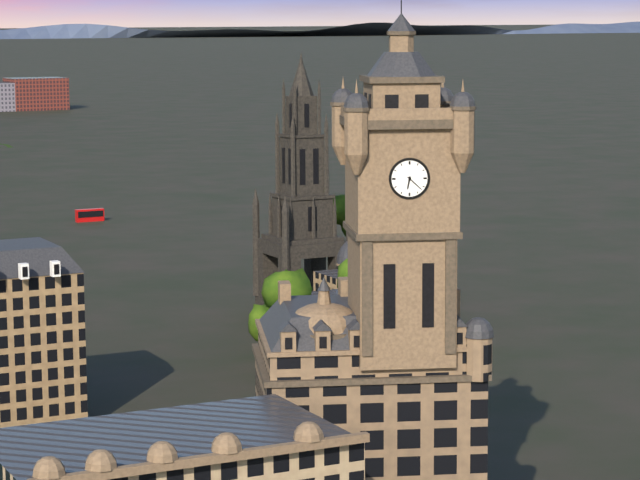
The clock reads 6:22
